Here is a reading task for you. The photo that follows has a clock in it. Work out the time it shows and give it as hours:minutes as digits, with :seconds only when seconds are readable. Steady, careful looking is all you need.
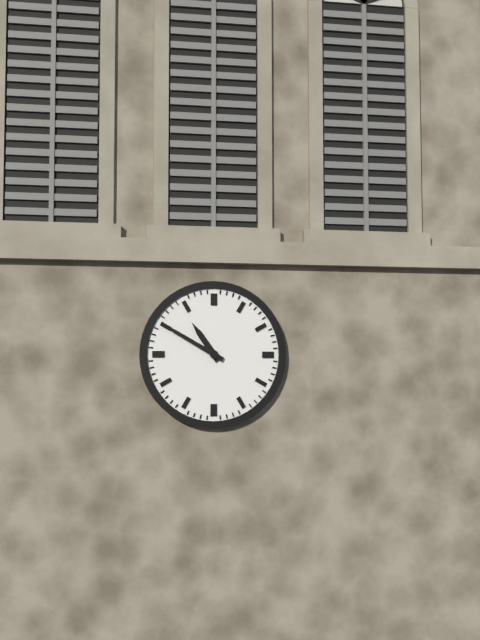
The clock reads 10:50
